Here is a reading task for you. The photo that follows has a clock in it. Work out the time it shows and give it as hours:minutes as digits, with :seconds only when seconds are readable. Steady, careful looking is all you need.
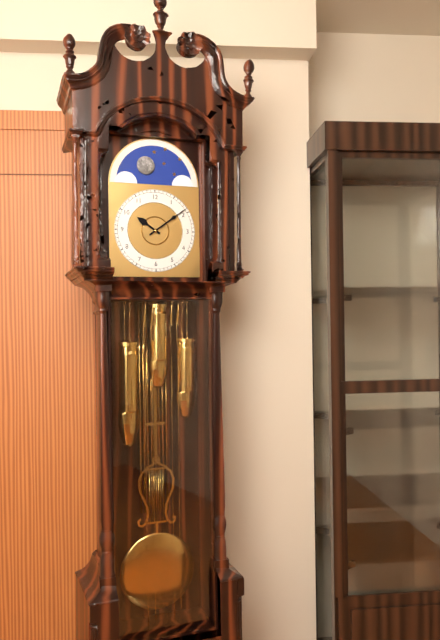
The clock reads 10:09
